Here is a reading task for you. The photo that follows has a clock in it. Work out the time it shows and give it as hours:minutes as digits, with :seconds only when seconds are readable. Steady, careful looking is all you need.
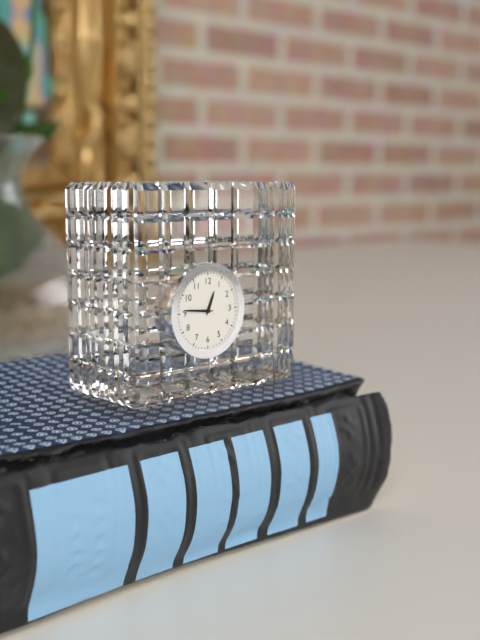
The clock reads 12:46
